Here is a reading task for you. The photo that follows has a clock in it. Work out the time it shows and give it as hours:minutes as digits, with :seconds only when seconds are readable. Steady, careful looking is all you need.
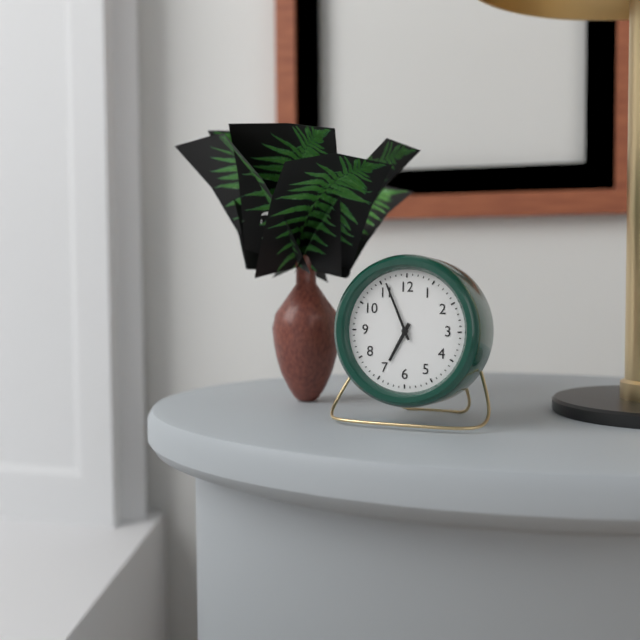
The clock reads 6:56
